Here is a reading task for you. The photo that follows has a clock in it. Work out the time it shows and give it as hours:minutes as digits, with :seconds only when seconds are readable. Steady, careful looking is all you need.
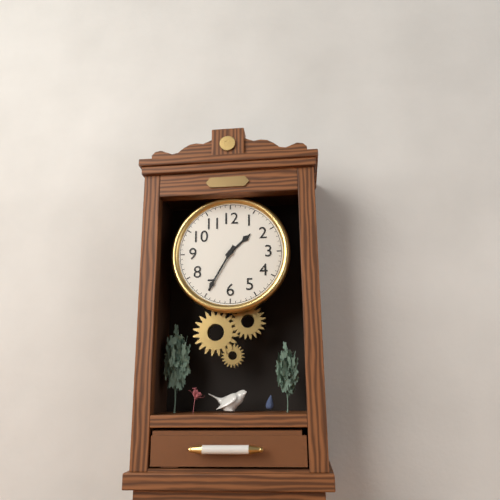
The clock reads 1:35
